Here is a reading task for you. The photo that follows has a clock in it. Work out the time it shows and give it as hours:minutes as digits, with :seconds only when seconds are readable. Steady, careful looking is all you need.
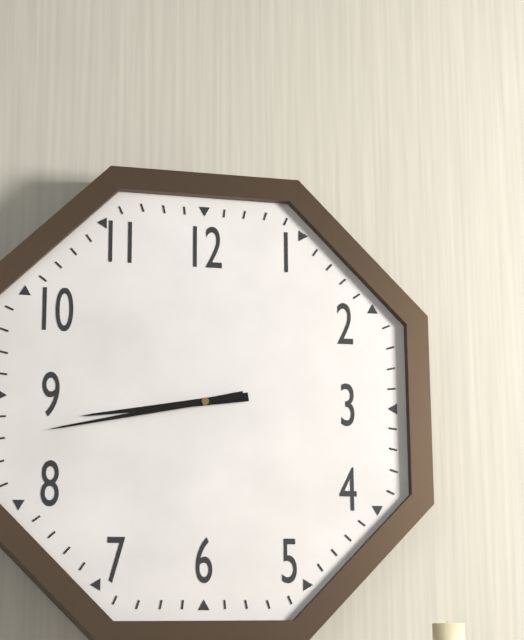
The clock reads 8:43
